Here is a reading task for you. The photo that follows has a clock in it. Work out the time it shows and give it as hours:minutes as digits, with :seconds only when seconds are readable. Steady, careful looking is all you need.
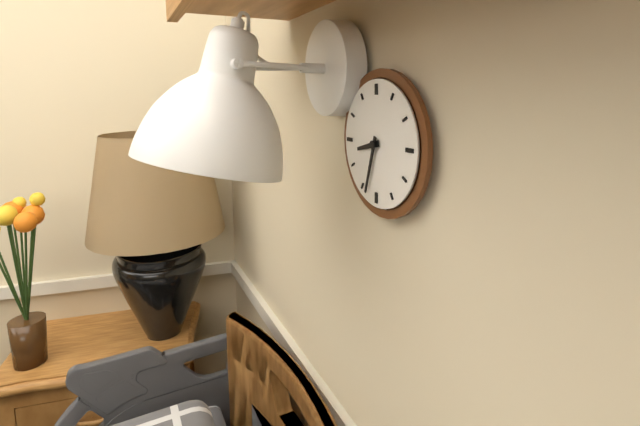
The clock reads 8:33
